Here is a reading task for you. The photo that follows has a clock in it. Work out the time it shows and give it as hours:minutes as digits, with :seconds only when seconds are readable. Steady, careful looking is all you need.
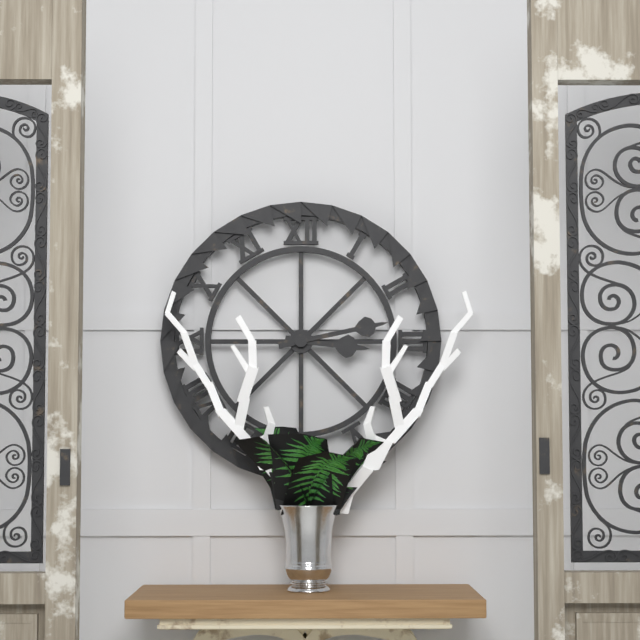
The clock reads 3:13
